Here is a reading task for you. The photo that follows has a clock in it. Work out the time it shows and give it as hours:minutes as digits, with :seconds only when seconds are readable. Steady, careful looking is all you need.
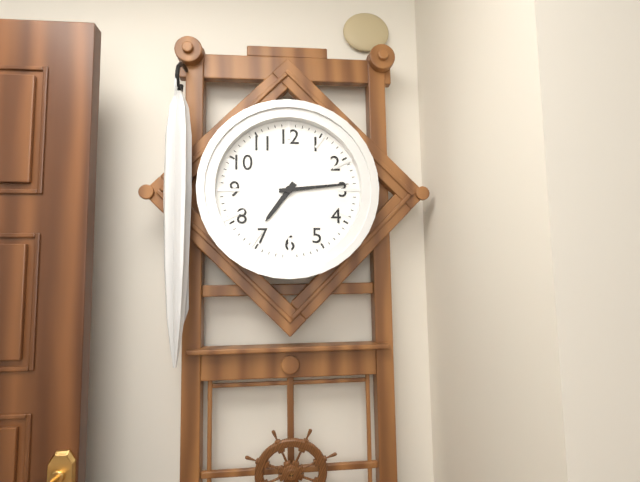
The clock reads 7:14
